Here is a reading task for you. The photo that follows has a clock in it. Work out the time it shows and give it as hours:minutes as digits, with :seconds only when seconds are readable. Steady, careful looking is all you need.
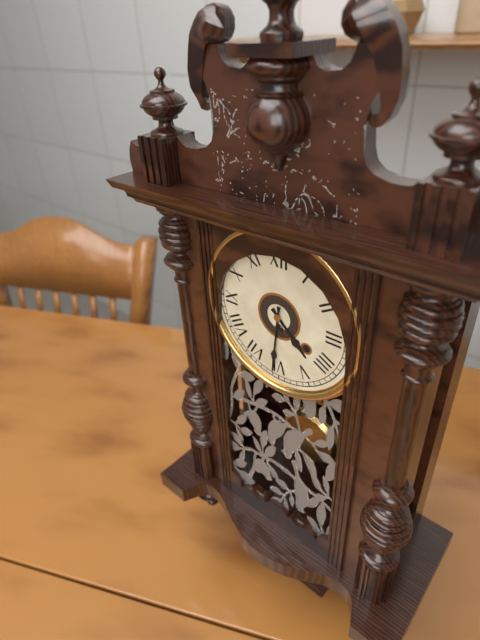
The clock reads 4:31
